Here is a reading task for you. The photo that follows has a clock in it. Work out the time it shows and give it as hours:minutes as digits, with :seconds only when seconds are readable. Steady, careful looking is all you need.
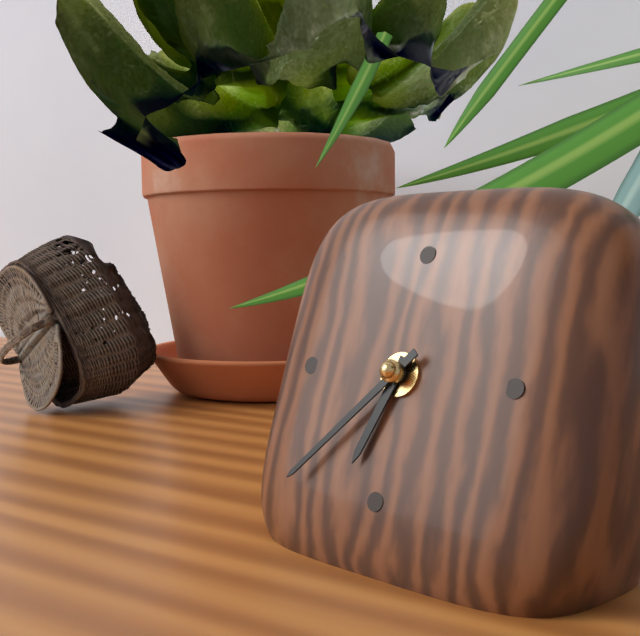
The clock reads 6:37
